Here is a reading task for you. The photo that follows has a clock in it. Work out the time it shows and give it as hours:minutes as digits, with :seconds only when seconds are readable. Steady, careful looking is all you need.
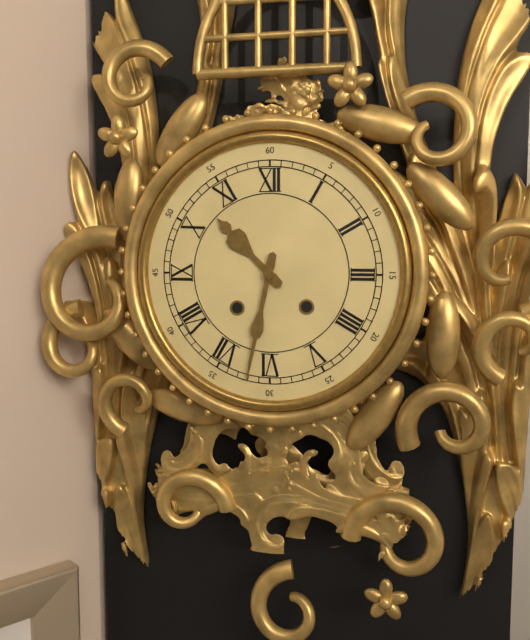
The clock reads 10:32
